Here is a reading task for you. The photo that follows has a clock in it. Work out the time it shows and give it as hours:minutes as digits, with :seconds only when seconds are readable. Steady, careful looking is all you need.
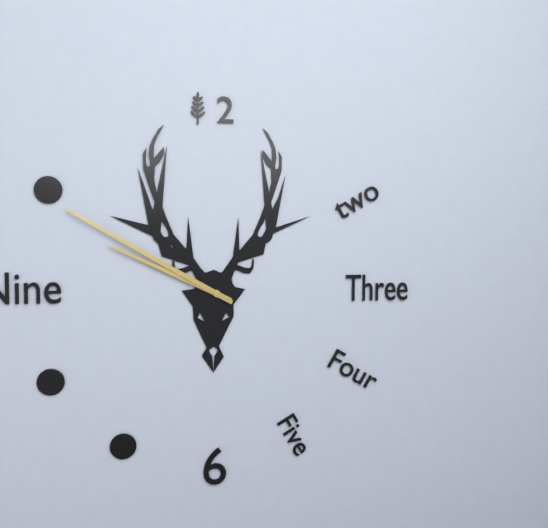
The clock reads 9:50
